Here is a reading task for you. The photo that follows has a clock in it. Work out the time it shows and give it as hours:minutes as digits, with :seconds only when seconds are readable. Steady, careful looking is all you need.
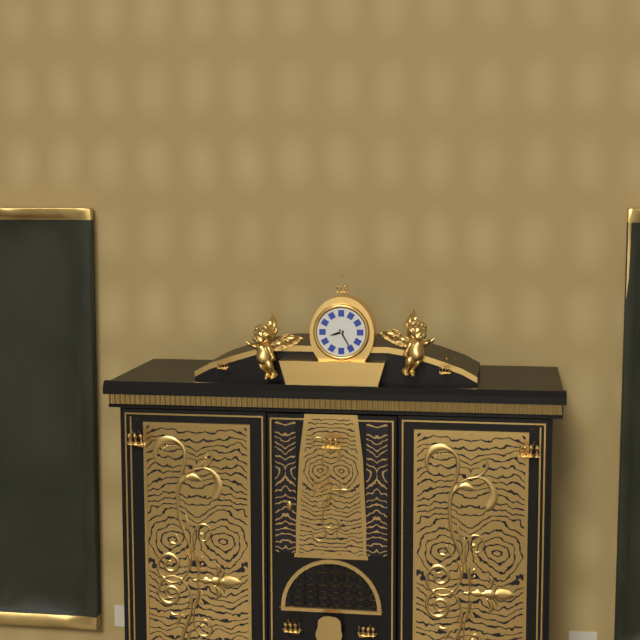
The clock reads 8:25
